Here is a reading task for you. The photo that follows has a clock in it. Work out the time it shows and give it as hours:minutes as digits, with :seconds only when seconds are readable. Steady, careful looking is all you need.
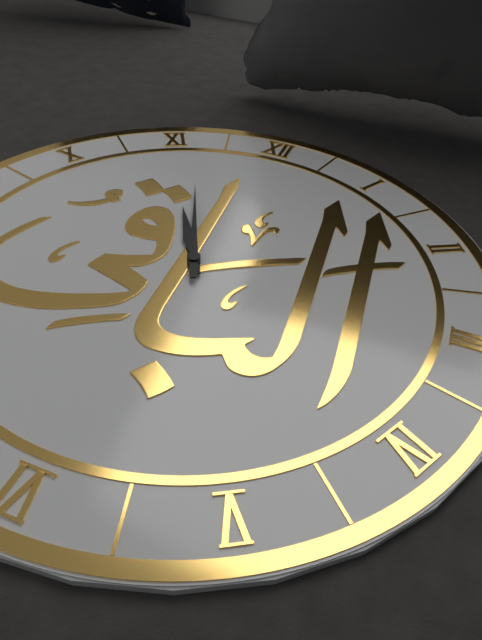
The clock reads 10:56
